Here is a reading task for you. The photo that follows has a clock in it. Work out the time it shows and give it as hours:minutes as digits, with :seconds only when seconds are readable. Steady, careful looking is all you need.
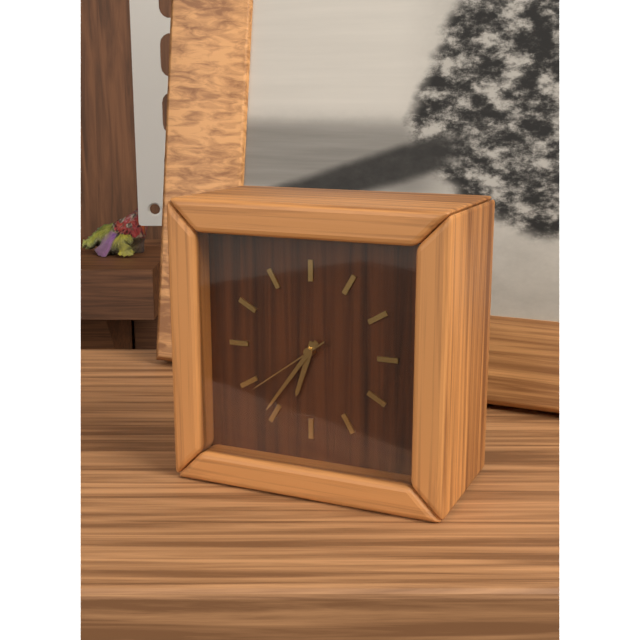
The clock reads 6:36:39
